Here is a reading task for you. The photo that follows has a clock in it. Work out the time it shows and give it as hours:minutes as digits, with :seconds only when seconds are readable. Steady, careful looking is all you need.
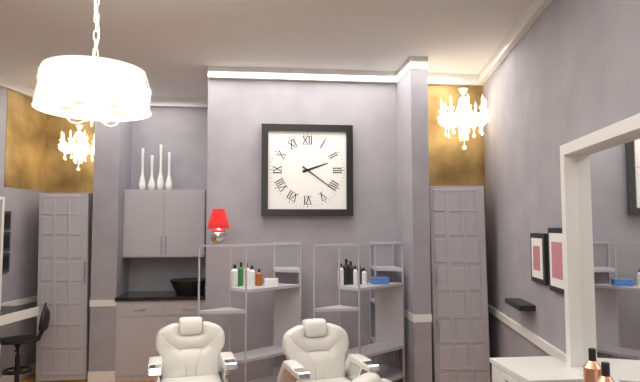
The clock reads 2:21
